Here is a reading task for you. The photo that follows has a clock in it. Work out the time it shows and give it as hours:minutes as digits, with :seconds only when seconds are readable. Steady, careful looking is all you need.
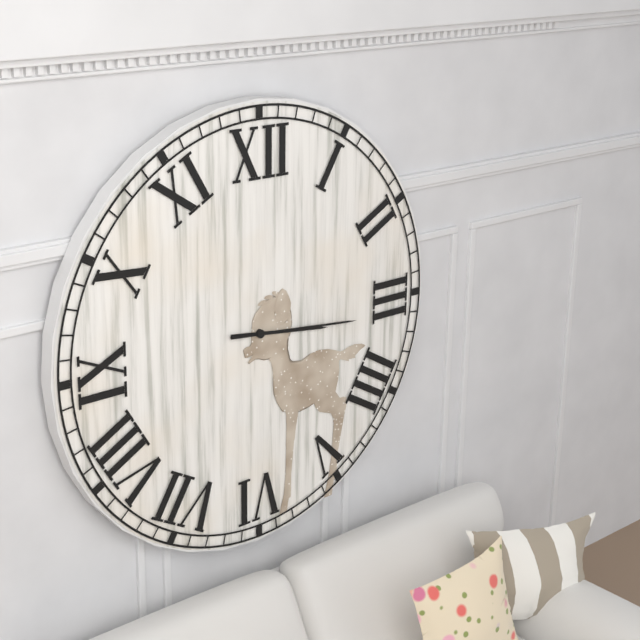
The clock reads 3:16
